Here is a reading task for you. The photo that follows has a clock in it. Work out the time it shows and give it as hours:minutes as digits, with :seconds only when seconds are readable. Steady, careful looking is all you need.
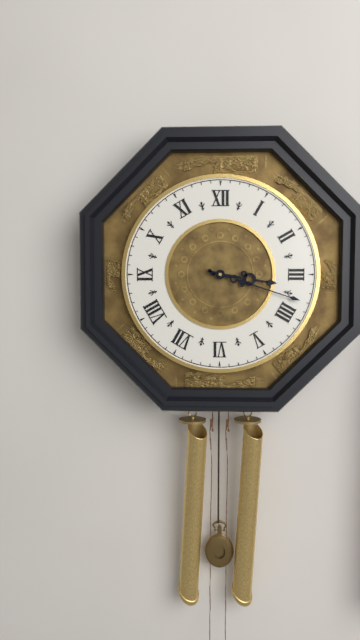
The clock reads 3:18
